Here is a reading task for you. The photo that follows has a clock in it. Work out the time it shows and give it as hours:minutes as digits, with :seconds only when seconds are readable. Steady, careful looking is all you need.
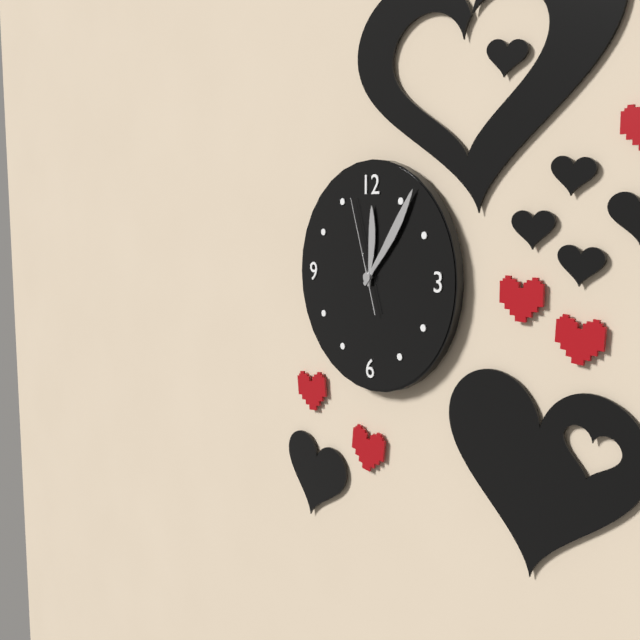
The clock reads 12:06:57
